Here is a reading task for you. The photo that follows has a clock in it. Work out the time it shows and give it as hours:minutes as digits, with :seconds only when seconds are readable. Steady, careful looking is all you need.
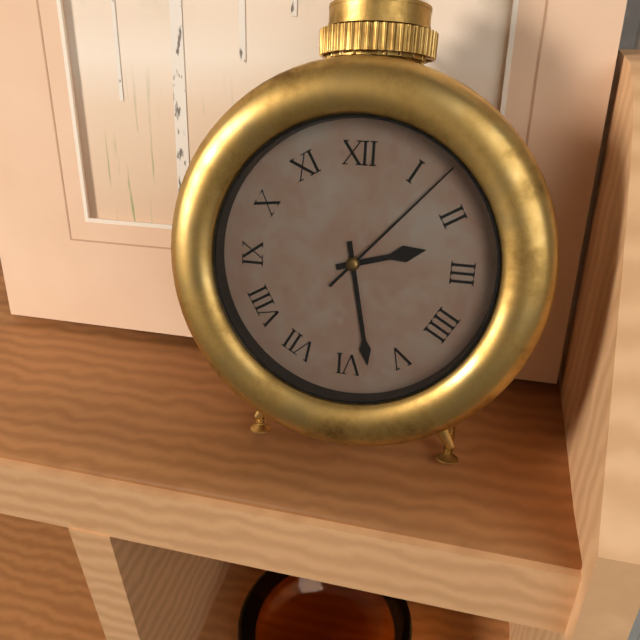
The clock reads 2:28:07
